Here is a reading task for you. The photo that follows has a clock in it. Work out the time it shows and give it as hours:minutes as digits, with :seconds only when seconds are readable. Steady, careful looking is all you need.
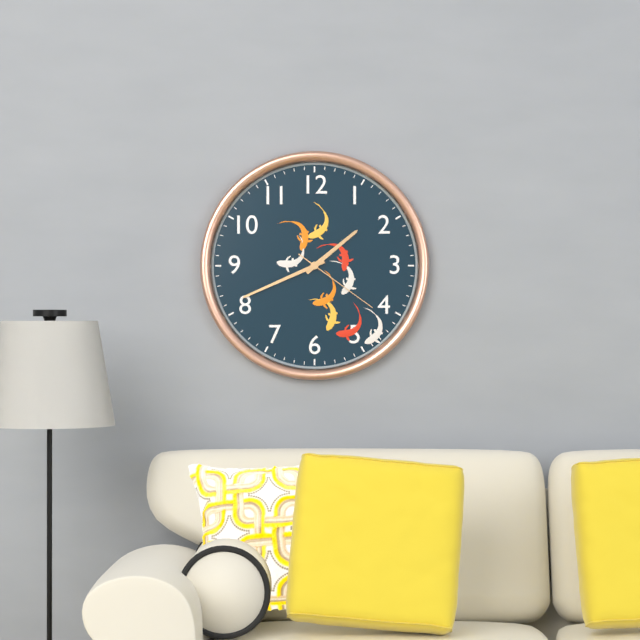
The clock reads 1:41:21
